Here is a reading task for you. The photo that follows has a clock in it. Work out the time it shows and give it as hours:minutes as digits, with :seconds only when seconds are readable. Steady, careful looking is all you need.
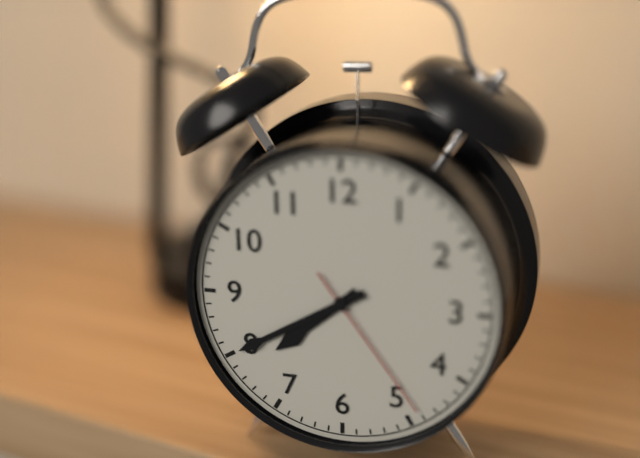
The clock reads 7:40:24
